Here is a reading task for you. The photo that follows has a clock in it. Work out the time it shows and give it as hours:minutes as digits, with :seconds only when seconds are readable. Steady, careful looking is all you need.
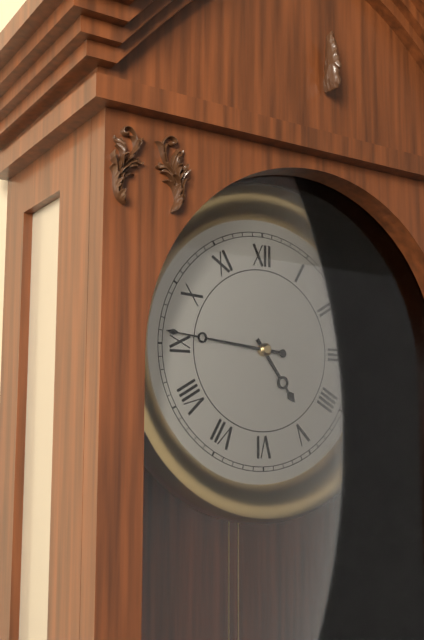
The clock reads 4:46
